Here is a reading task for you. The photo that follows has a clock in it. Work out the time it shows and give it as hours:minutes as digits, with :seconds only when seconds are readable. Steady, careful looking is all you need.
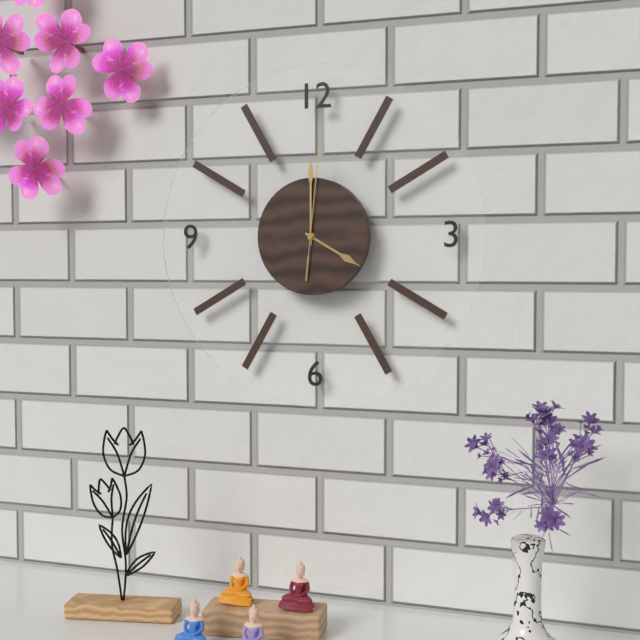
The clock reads 4:00:01
